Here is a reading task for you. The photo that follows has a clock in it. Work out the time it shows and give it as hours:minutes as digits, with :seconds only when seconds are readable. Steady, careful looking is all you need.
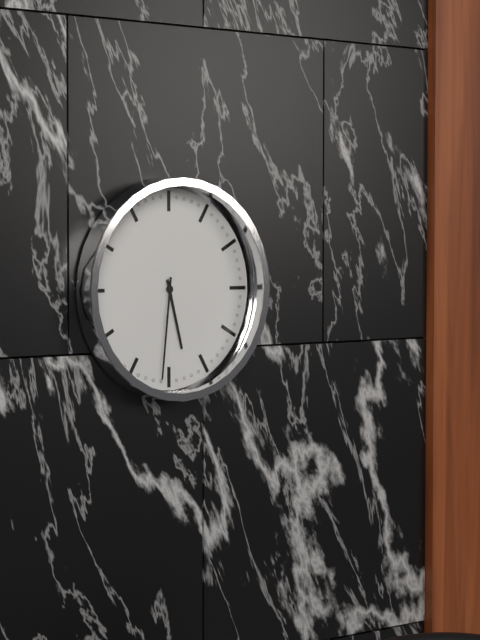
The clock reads 5:31
